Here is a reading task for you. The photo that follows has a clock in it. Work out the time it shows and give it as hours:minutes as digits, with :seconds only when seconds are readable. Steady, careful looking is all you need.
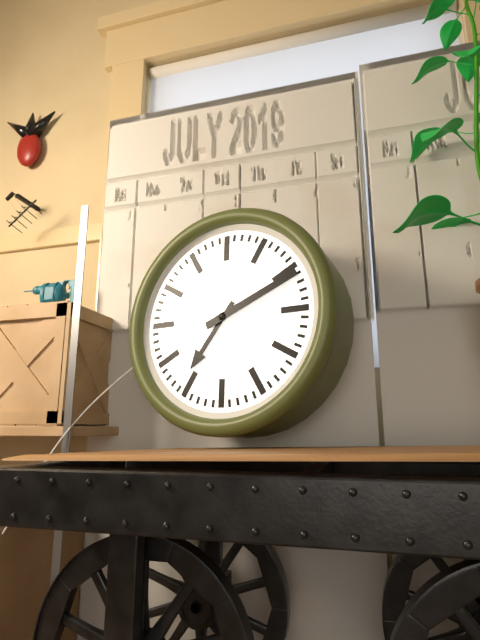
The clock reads 7:11
